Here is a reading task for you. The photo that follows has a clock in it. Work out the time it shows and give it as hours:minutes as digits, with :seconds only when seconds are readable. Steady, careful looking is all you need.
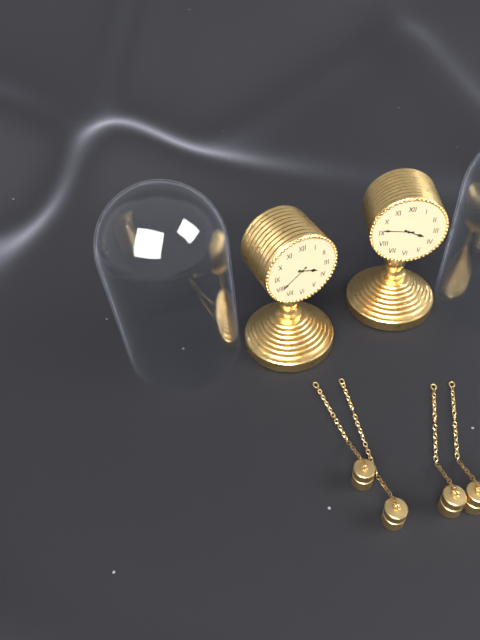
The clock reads 3:39
